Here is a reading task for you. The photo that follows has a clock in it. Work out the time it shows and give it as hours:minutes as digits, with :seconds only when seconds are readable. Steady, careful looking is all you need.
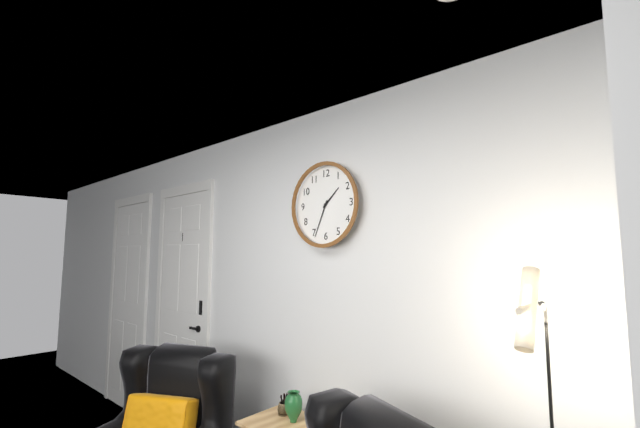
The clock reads 1:34
